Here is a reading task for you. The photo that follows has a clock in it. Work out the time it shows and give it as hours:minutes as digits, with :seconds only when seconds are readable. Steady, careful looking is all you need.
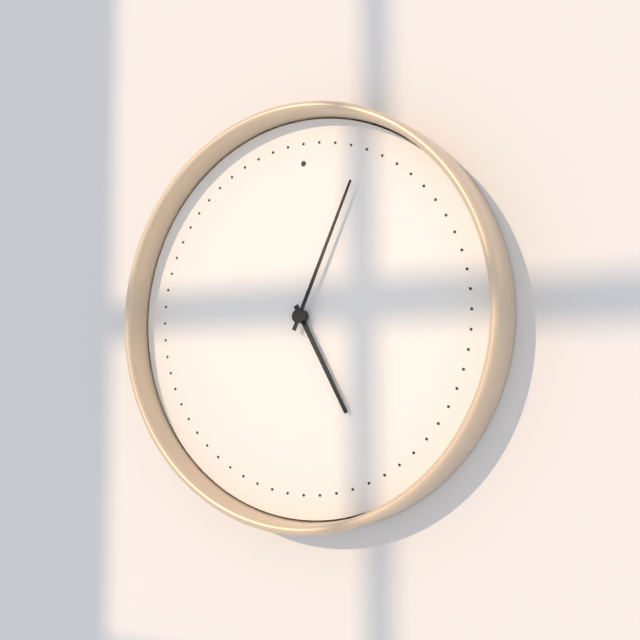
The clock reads 5:04
